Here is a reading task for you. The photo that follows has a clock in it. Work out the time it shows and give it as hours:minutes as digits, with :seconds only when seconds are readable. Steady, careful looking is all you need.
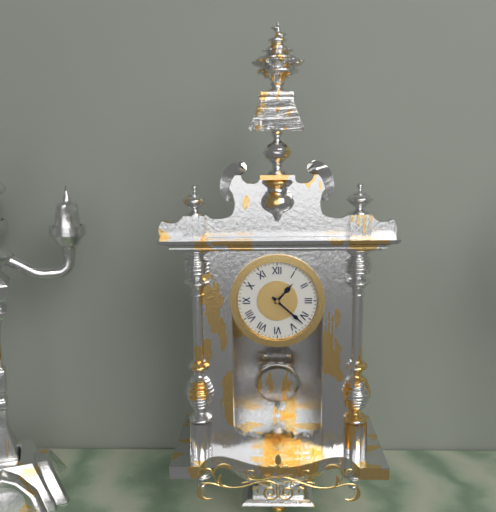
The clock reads 1:22
